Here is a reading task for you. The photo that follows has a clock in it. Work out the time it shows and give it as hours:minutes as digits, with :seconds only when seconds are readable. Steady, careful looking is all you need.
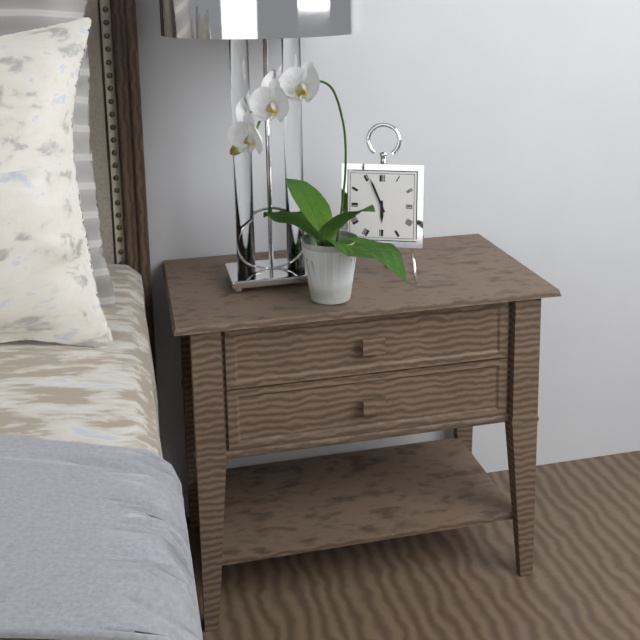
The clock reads 5:56
